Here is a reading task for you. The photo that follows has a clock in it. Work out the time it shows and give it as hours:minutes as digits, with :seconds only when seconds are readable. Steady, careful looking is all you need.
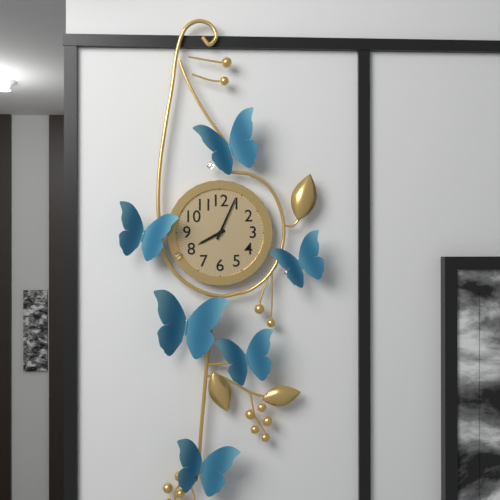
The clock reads 8:04
